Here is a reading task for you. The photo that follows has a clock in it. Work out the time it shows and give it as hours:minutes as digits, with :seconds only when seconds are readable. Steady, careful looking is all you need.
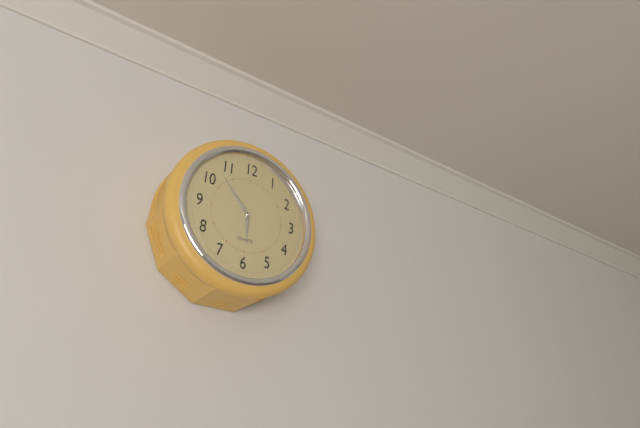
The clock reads 5:53
